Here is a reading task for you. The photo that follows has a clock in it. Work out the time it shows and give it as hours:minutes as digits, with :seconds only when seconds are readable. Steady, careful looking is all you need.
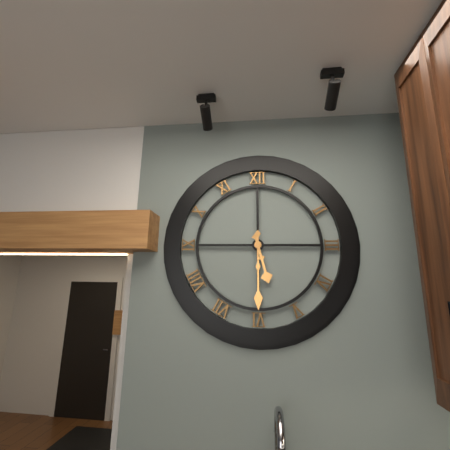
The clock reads 5:30
